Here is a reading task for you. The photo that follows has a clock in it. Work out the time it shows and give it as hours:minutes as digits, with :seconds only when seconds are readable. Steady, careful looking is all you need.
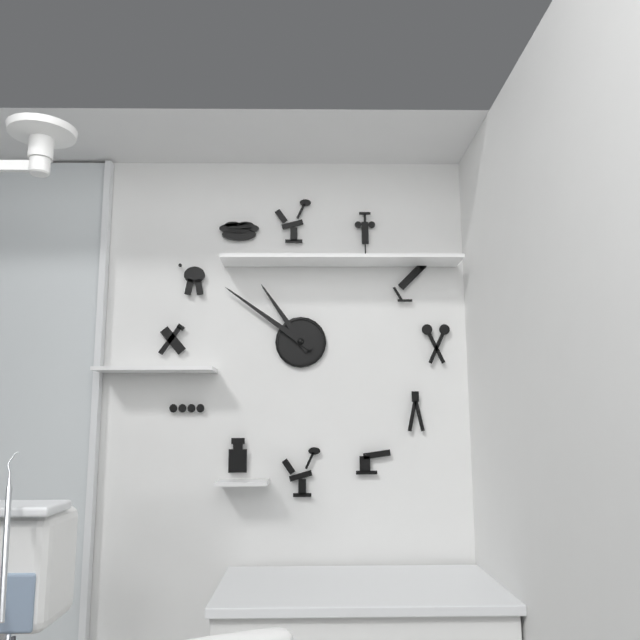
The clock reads 10:51
